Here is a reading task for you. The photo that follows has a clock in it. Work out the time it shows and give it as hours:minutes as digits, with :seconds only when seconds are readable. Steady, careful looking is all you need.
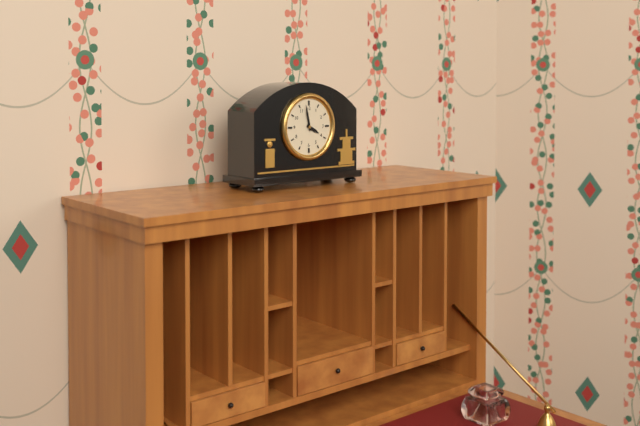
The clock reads 3:58
